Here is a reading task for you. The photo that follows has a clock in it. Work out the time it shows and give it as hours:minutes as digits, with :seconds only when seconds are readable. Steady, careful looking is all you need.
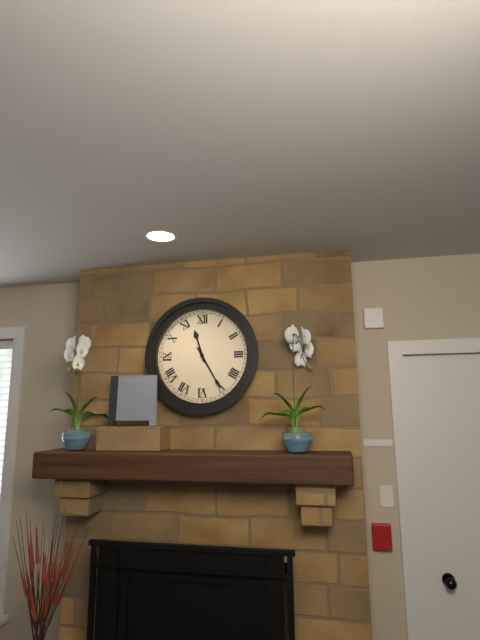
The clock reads 11:25
